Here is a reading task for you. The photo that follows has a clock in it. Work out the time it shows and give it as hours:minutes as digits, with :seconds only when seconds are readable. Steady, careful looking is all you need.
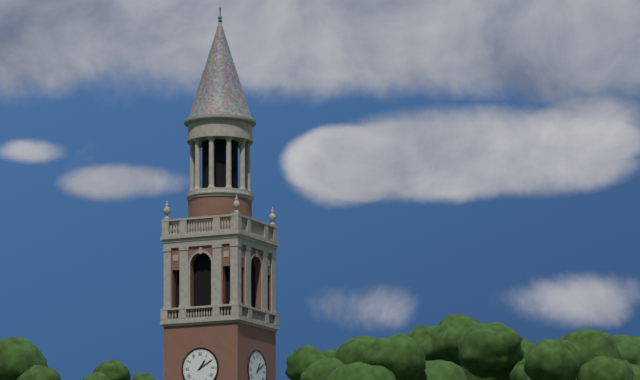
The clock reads 1:10
